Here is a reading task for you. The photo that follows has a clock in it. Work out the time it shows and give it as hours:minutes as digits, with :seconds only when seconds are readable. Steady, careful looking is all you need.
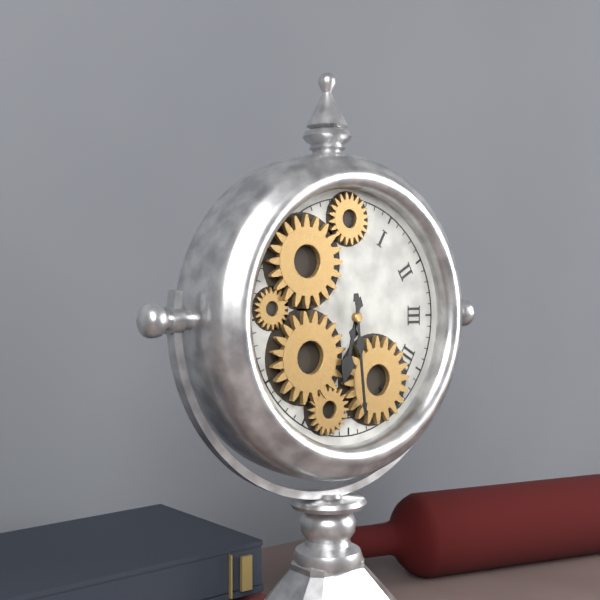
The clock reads 6:29
